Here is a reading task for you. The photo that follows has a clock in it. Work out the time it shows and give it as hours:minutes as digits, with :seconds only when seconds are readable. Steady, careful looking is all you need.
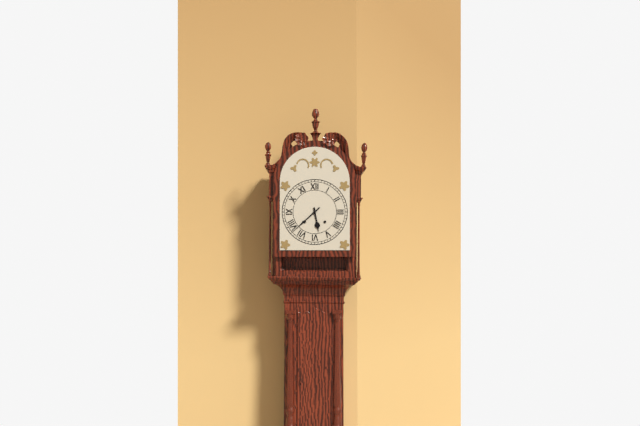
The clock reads 5:38
